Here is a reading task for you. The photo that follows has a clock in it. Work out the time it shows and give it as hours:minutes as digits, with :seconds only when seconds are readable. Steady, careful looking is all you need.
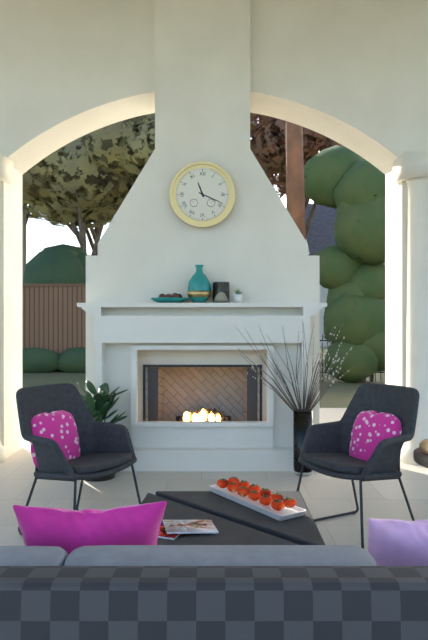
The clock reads 11:19
